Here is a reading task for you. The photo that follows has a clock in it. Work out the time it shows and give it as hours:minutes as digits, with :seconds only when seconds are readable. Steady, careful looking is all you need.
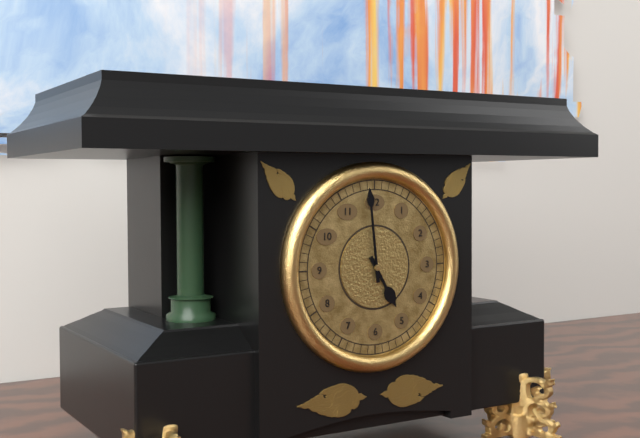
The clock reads 4:59
